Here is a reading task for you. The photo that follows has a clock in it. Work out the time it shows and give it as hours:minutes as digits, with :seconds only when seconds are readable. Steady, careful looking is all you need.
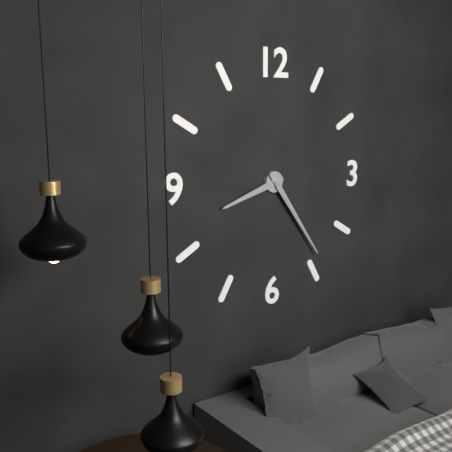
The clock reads 8:24
